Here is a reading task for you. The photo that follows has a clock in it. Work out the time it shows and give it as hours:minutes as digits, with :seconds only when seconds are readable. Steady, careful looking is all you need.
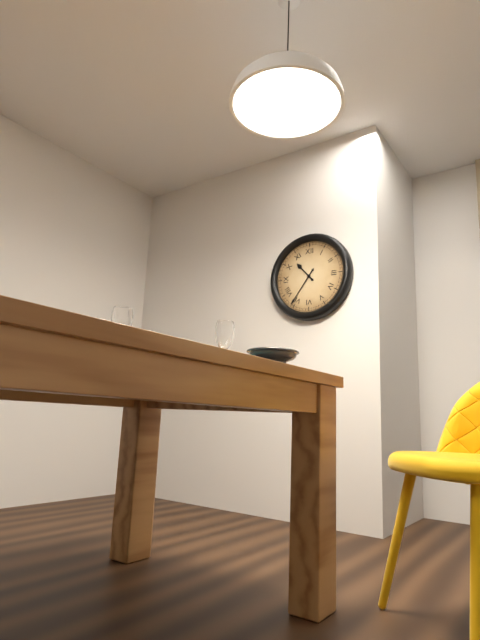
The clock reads 10:36
